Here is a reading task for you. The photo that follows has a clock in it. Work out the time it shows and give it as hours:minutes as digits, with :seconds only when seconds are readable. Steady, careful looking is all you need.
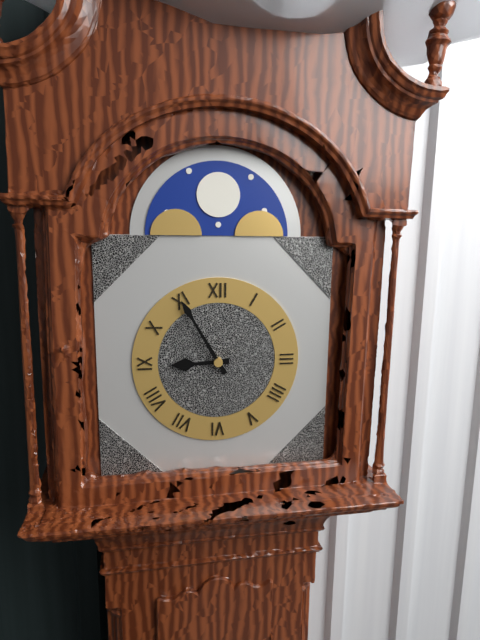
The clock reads 8:55
